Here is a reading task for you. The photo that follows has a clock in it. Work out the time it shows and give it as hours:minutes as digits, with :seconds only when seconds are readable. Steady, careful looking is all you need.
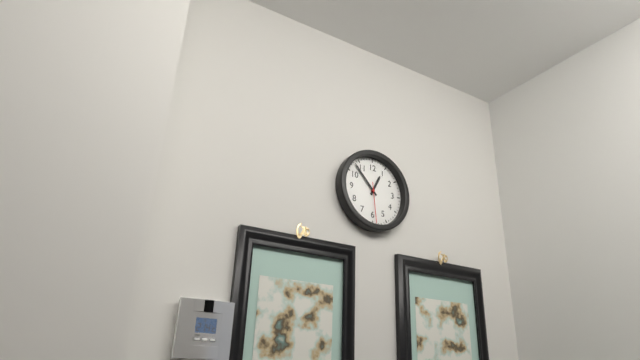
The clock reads 12:53
